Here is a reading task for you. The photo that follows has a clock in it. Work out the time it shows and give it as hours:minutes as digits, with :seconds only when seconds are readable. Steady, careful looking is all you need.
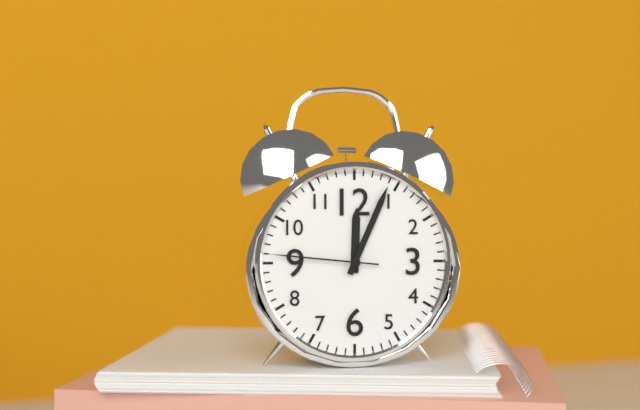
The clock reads 12:04:46
